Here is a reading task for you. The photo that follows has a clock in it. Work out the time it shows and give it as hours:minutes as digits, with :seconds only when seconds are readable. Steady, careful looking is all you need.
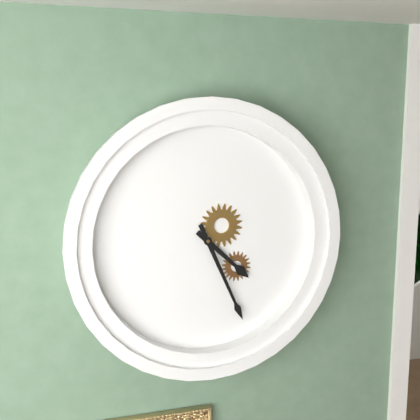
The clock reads 4:26
